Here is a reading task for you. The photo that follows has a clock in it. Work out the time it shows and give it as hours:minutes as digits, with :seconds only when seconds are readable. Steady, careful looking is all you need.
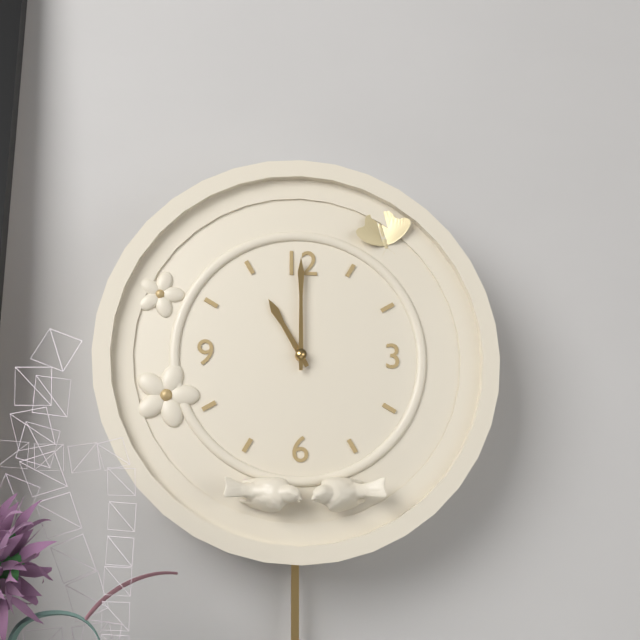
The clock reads 11:00
